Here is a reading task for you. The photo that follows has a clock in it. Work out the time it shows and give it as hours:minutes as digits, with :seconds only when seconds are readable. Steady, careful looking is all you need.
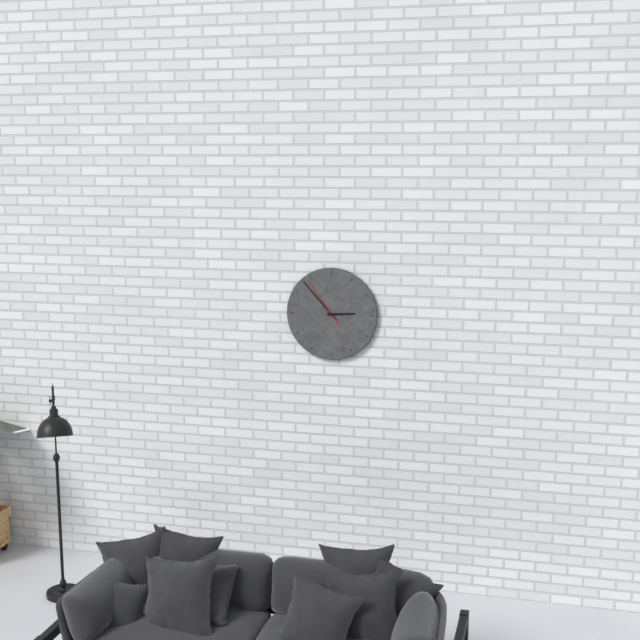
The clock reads 2:53
